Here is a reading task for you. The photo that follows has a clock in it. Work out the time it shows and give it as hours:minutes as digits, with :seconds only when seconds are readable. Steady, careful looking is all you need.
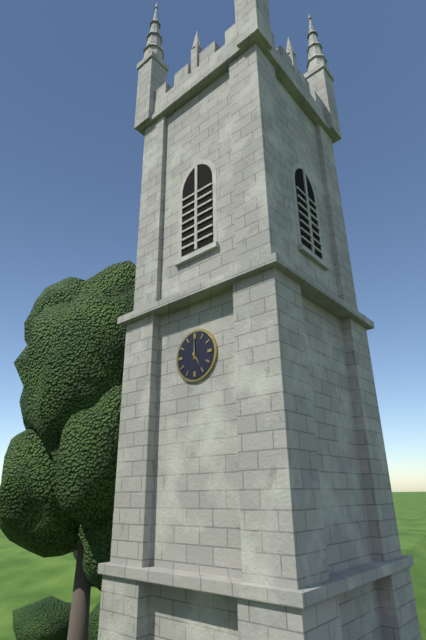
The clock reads 5:00
